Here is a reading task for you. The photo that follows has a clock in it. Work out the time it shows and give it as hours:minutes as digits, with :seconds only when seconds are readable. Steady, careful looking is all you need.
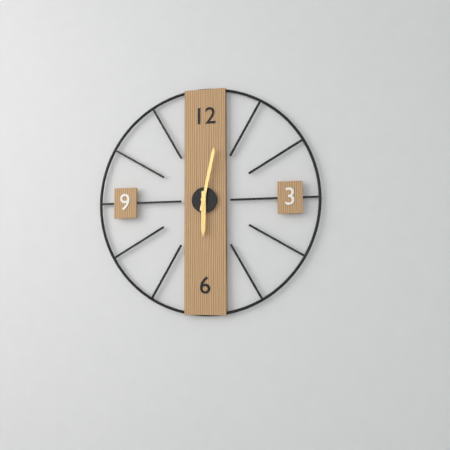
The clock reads 6:02
